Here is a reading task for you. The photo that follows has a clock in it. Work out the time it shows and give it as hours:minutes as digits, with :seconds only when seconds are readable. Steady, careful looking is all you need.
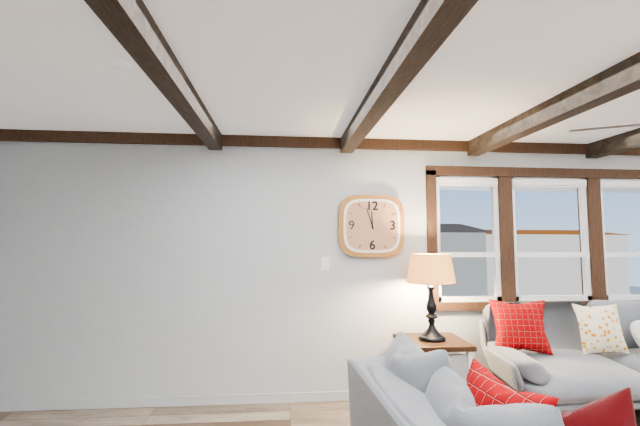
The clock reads 11:57
